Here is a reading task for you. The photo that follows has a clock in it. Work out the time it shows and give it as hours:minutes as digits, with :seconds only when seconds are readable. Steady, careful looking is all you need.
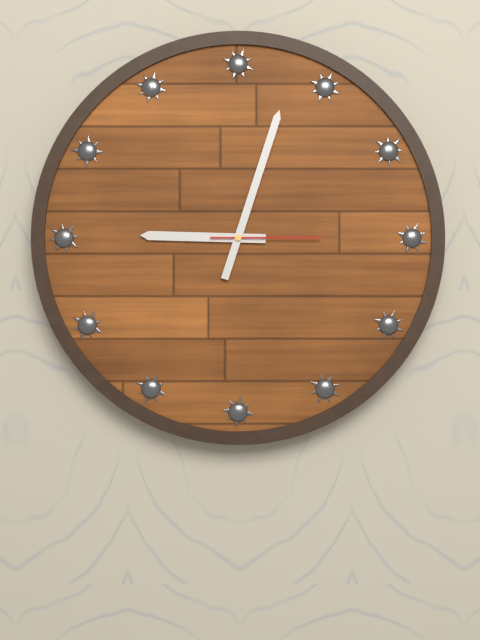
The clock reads 9:03:15
